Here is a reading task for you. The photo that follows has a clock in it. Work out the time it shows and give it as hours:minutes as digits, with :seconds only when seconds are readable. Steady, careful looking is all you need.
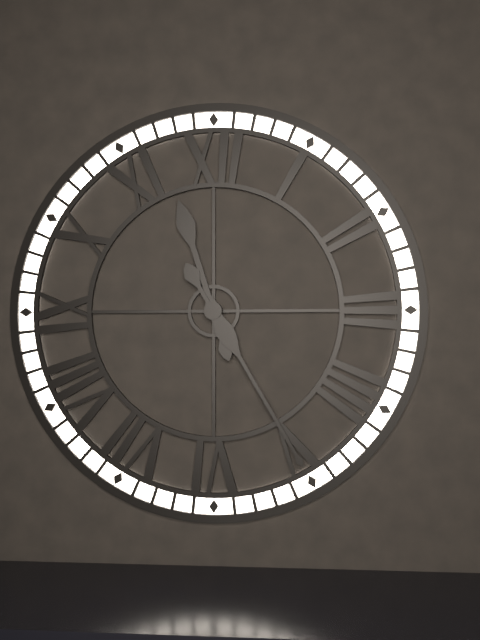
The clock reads 11:25
